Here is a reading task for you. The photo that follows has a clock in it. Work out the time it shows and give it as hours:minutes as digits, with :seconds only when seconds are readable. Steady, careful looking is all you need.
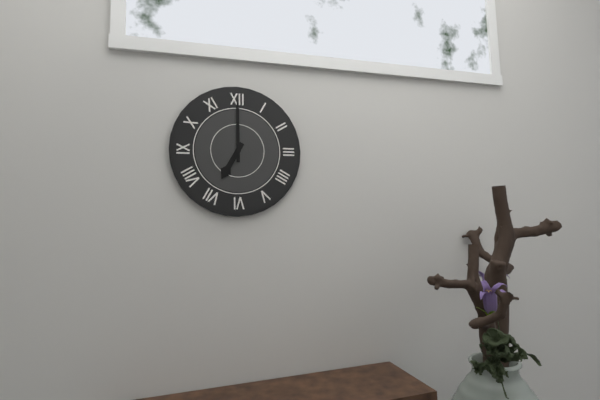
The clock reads 7:00
